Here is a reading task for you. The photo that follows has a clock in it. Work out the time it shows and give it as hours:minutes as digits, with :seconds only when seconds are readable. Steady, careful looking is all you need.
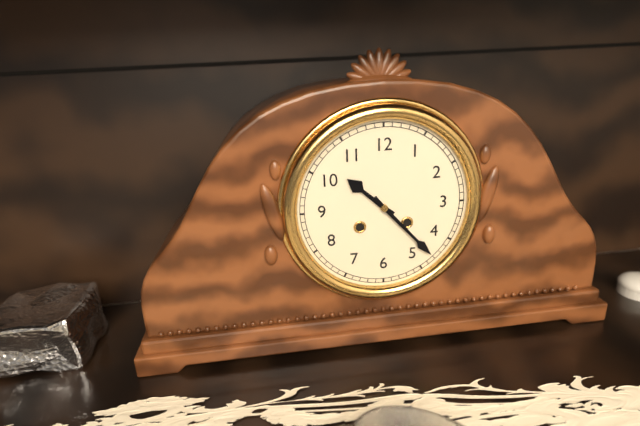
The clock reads 10:23
